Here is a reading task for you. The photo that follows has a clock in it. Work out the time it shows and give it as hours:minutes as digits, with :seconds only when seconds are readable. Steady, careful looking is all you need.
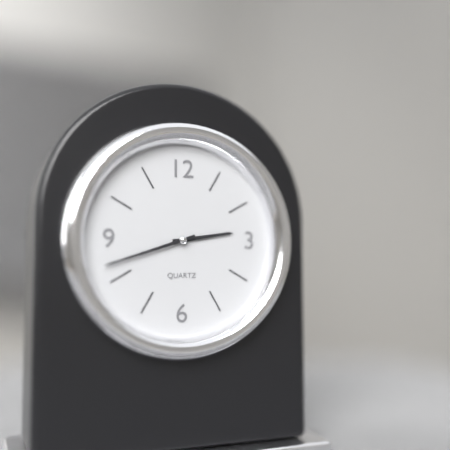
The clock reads 2:42
